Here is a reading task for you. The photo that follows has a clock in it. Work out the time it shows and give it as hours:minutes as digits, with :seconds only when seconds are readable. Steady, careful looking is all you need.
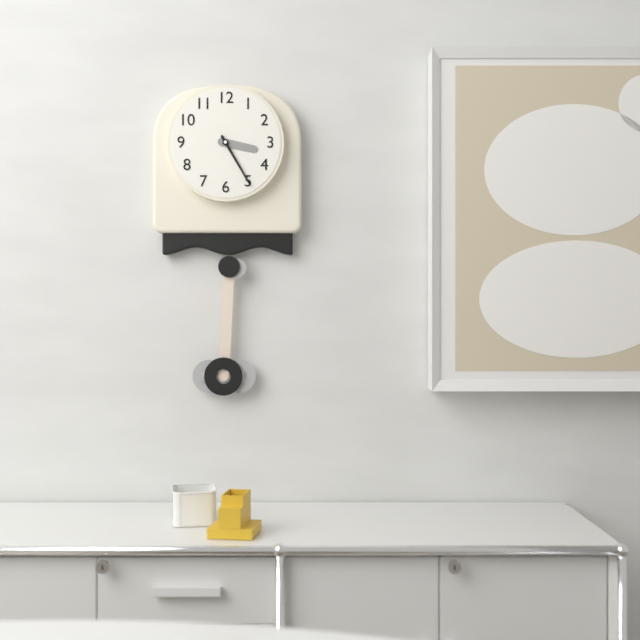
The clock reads 3:25
